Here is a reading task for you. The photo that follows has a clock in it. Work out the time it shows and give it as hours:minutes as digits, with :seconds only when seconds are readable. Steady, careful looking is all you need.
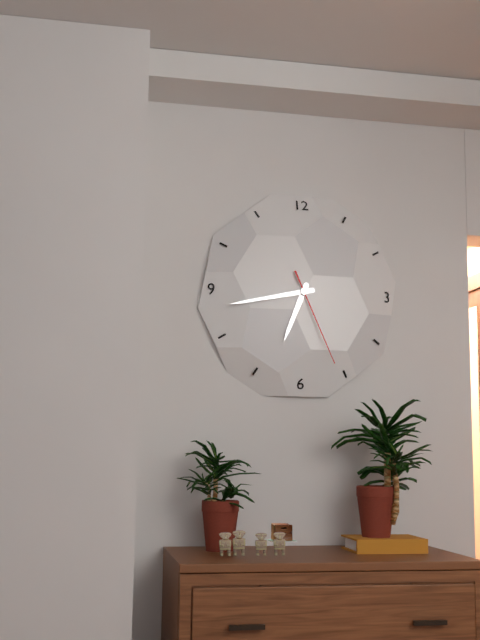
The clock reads 6:43:26
